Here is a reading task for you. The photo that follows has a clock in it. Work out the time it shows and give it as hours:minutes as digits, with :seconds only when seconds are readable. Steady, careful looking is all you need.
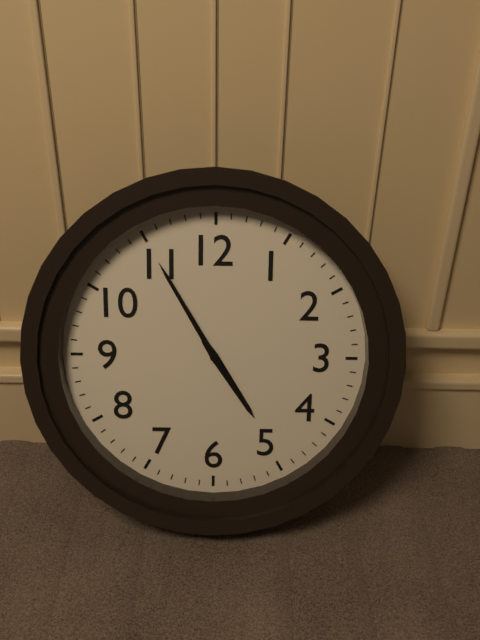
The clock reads 4:55
